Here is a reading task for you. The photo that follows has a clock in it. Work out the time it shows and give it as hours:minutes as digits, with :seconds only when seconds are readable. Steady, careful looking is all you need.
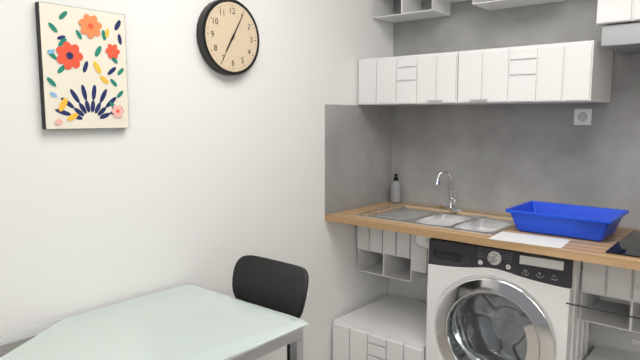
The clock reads 7:05
